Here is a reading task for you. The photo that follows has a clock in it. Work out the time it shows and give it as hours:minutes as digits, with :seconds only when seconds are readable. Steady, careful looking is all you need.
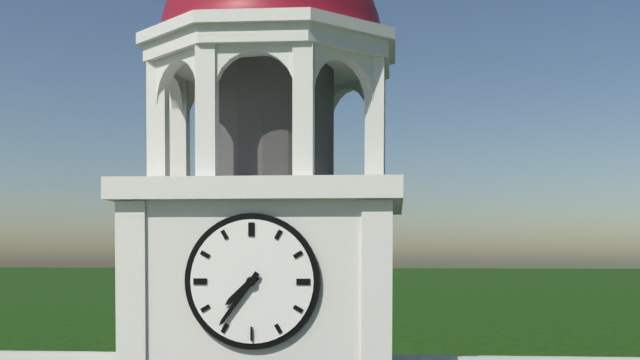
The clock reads 7:36
